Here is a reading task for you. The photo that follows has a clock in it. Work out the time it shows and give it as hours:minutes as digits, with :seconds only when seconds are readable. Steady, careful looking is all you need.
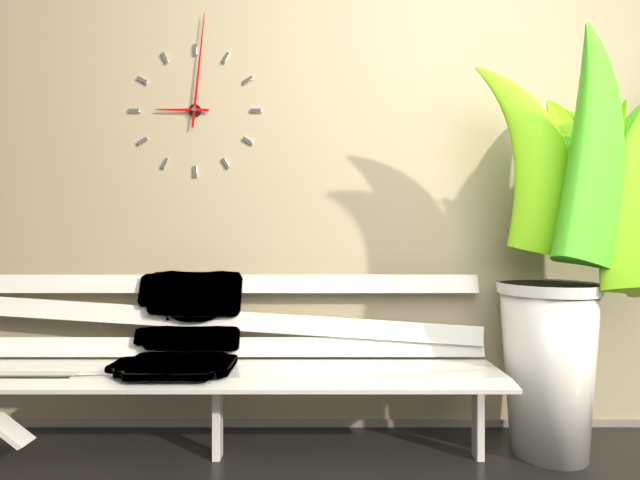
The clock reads 9:01
